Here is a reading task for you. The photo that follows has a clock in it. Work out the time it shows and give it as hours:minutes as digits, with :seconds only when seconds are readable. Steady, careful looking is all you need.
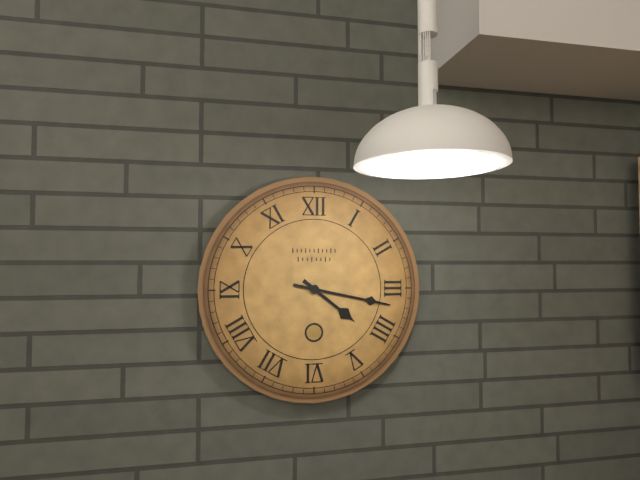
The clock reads 4:17
